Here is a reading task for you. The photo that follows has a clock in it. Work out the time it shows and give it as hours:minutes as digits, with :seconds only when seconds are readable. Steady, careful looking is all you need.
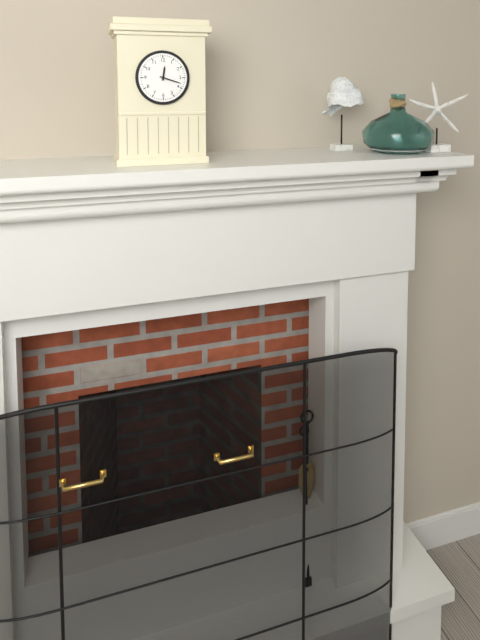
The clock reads 12:18
